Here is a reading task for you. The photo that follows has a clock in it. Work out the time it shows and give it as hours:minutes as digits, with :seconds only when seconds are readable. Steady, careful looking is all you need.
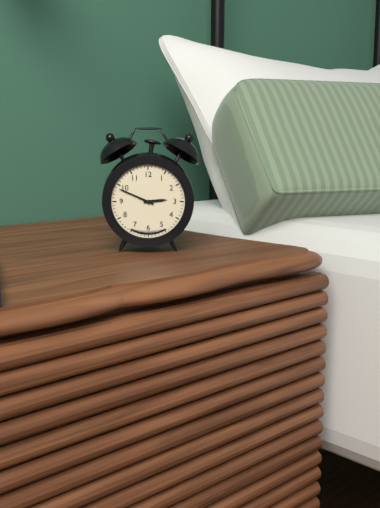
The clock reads 2:49
